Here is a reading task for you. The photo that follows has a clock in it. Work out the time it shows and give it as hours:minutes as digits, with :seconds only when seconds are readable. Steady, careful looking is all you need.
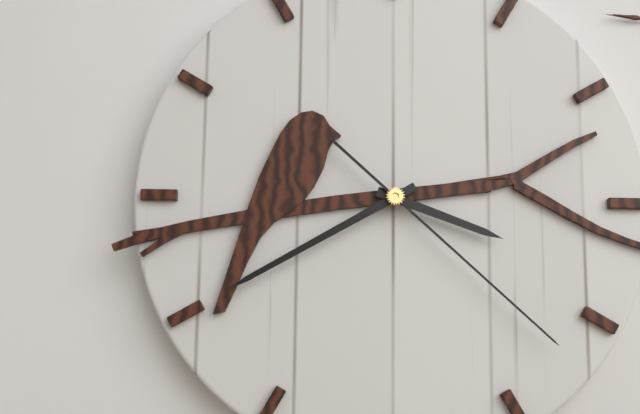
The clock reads 3:40:22
